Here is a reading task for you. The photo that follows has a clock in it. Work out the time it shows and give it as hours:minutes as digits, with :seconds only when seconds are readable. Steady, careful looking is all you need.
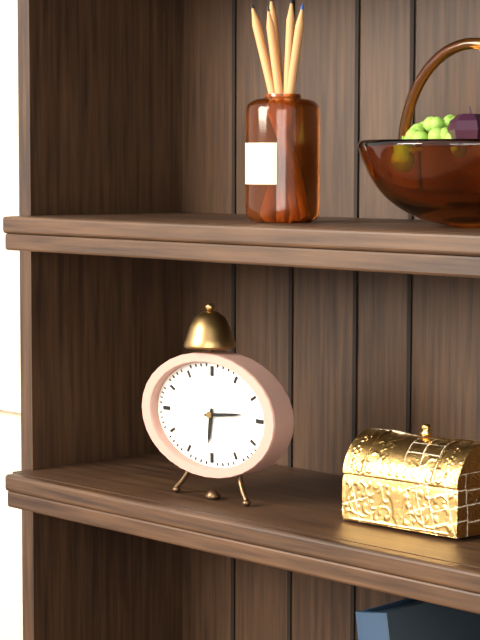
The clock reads 6:14
